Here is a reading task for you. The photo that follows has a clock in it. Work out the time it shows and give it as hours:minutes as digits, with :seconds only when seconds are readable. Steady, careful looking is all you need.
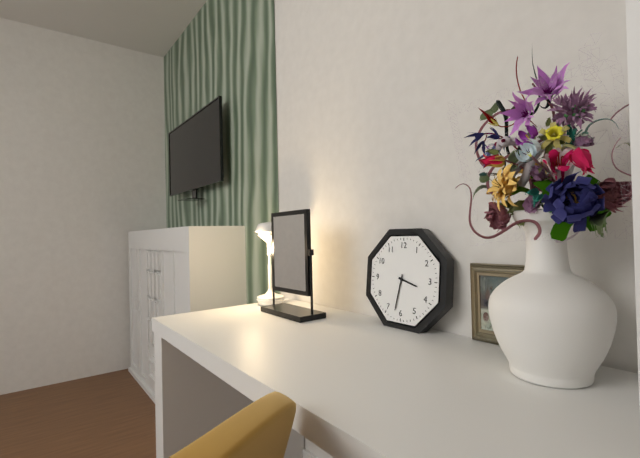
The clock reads 3:32
